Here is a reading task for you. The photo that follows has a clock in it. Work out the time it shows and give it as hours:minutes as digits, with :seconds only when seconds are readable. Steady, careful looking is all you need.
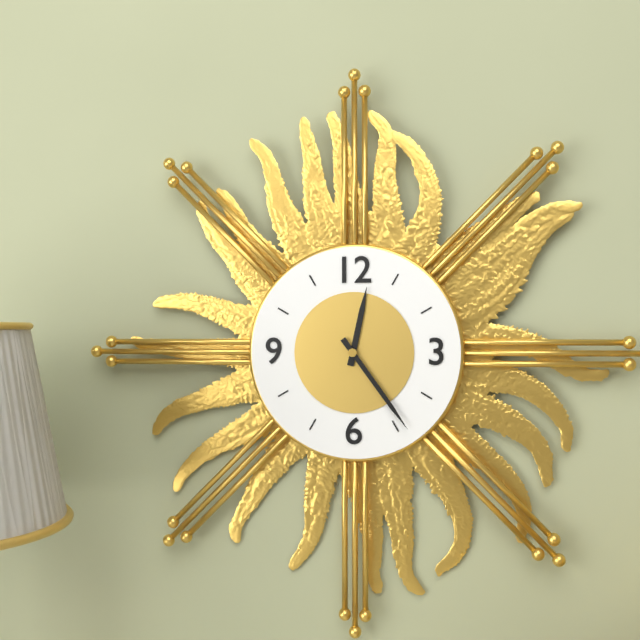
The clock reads 12:24
